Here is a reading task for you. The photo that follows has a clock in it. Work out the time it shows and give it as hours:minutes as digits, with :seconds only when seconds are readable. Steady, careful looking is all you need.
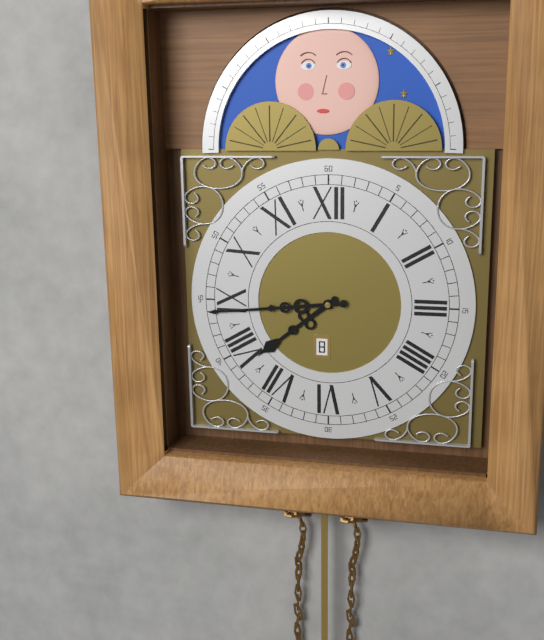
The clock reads 7:44
